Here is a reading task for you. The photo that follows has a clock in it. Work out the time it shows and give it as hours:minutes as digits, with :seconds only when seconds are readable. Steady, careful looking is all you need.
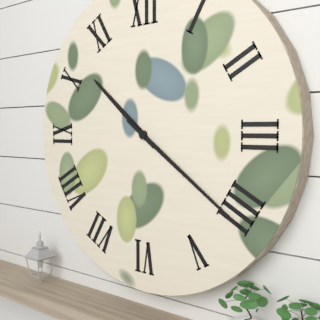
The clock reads 10:21
